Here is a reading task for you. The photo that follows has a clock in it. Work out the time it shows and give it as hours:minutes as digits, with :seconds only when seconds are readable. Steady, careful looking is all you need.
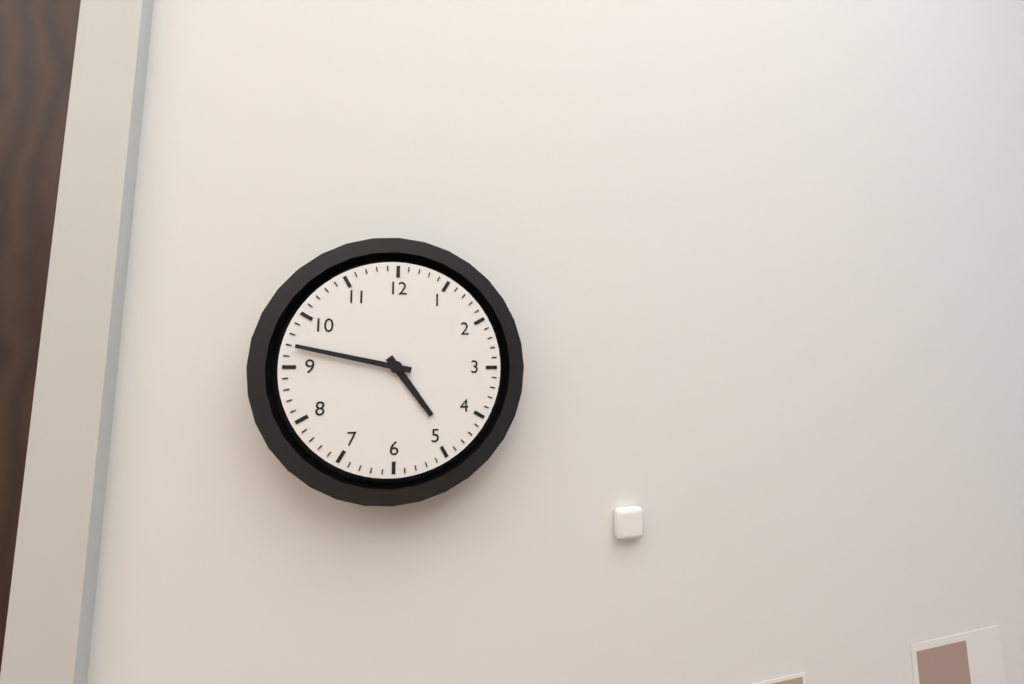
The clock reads 4:47
